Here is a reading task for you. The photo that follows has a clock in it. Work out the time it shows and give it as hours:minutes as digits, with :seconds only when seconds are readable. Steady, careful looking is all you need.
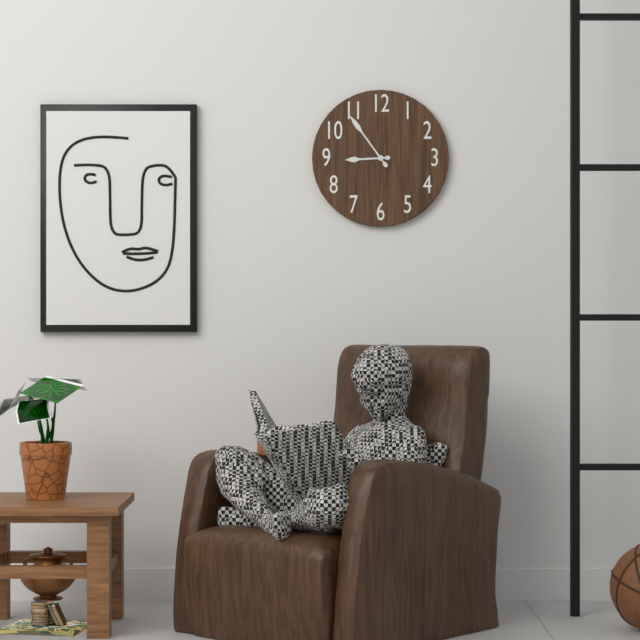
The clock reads 8:54
